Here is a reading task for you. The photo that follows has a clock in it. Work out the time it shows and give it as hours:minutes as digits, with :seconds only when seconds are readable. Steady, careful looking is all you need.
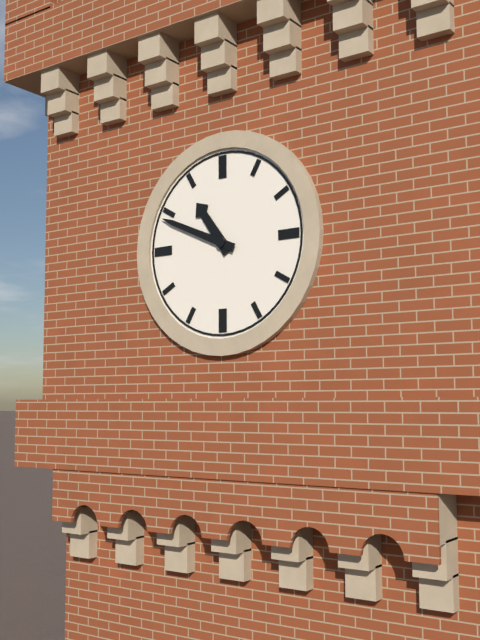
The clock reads 10:49
